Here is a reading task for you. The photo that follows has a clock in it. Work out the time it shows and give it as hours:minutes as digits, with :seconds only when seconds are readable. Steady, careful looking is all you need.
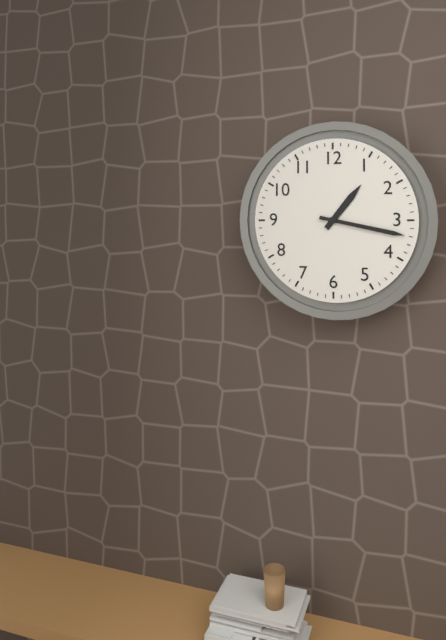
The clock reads 1:17
